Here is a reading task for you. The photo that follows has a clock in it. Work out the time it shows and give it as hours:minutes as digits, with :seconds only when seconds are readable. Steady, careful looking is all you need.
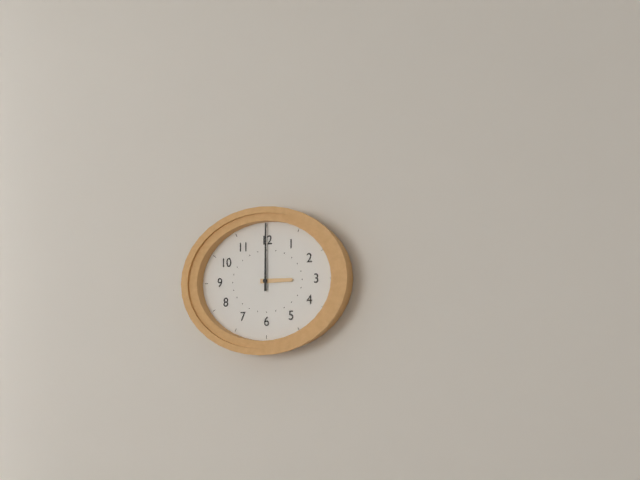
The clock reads 3:00
